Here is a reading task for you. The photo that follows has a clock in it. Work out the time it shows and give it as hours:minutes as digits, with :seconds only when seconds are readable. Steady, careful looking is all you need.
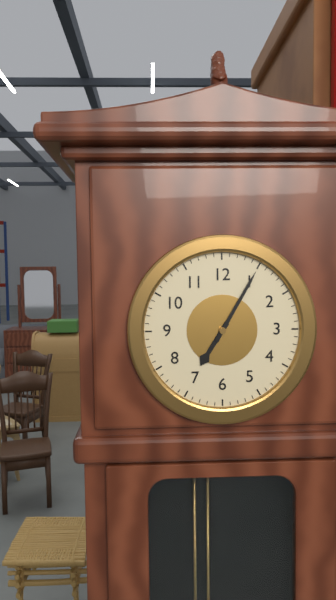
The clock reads 7:05
